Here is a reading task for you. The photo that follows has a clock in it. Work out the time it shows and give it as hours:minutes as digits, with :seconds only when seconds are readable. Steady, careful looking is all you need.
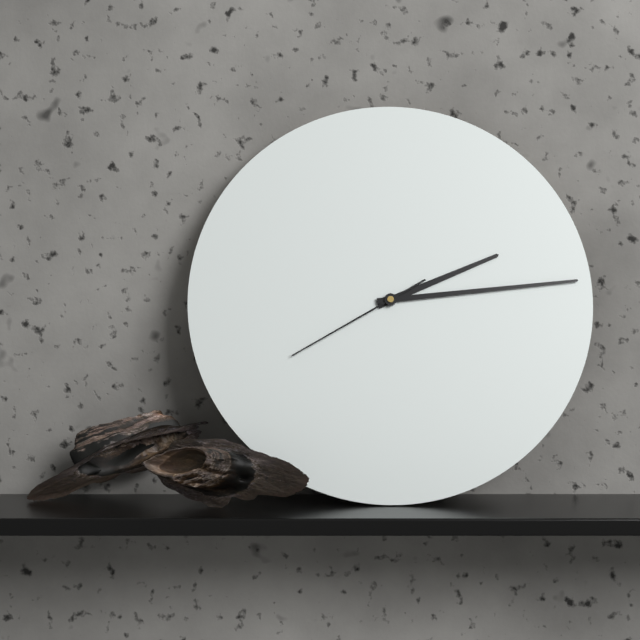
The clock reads 2:14:40
